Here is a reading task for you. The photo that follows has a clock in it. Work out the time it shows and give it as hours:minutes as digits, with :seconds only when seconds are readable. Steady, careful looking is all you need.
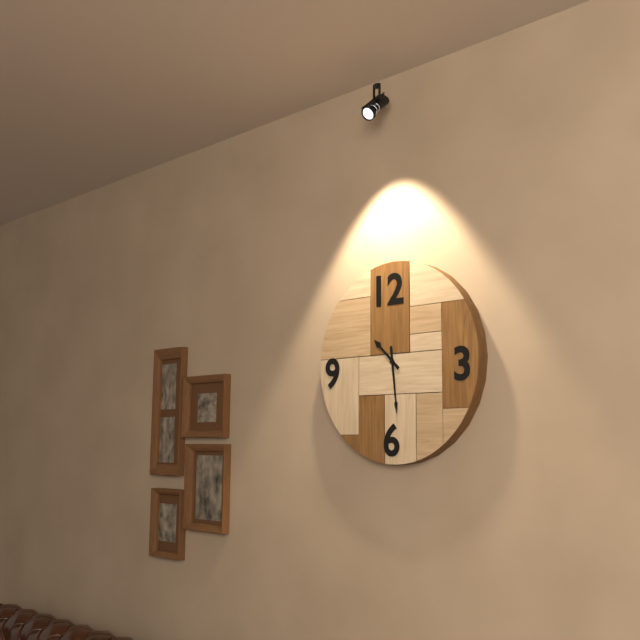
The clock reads 10:29
